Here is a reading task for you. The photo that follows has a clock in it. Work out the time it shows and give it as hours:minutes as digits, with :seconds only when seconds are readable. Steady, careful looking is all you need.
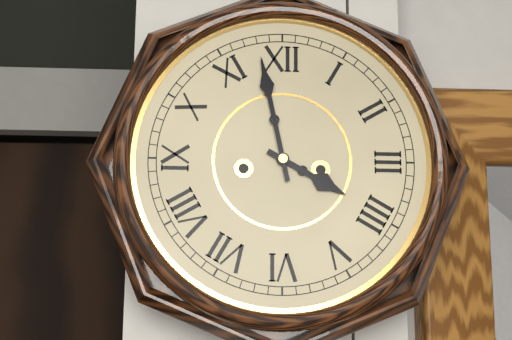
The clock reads 3:58
